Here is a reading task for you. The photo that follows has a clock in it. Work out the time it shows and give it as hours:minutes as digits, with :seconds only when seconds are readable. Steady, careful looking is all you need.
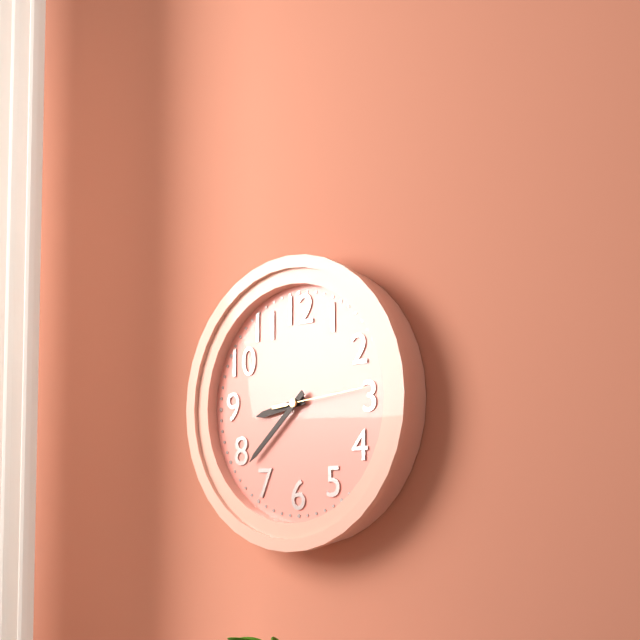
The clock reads 8:38:14
